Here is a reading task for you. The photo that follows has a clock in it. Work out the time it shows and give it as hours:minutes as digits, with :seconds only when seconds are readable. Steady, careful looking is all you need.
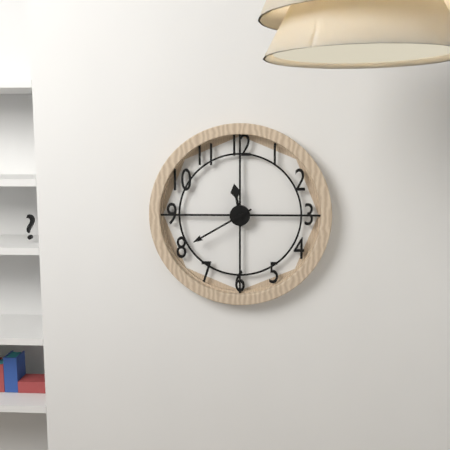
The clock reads 11:40
